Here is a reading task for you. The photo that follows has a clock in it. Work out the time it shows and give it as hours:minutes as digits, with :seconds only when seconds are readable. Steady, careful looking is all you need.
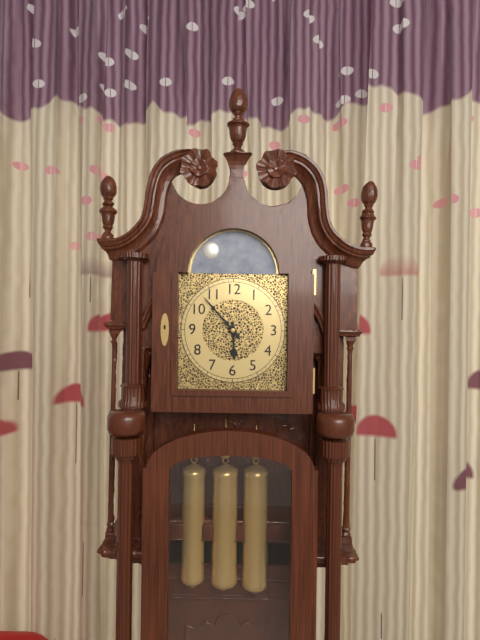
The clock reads 5:53
